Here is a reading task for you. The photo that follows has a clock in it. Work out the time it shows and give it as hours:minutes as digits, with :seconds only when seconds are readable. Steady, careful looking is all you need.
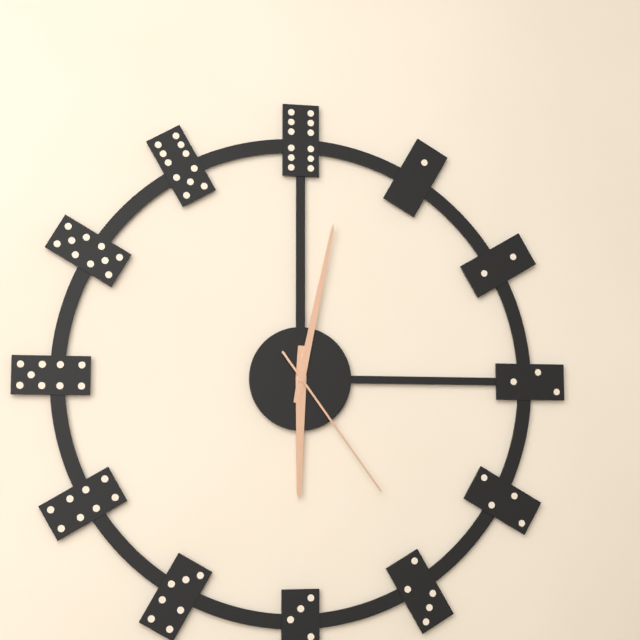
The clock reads 6:02:24
